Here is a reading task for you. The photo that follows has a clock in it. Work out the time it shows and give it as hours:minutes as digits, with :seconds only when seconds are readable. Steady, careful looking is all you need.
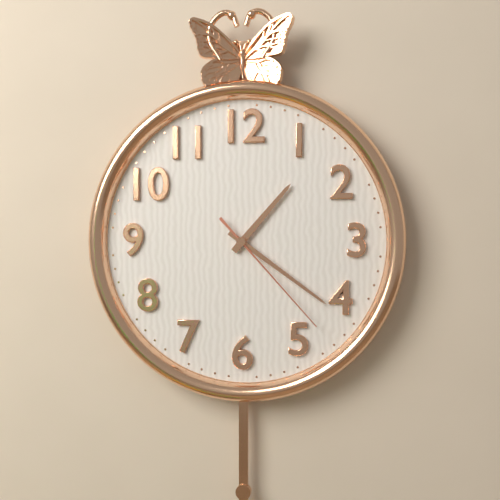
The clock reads 1:21:23
